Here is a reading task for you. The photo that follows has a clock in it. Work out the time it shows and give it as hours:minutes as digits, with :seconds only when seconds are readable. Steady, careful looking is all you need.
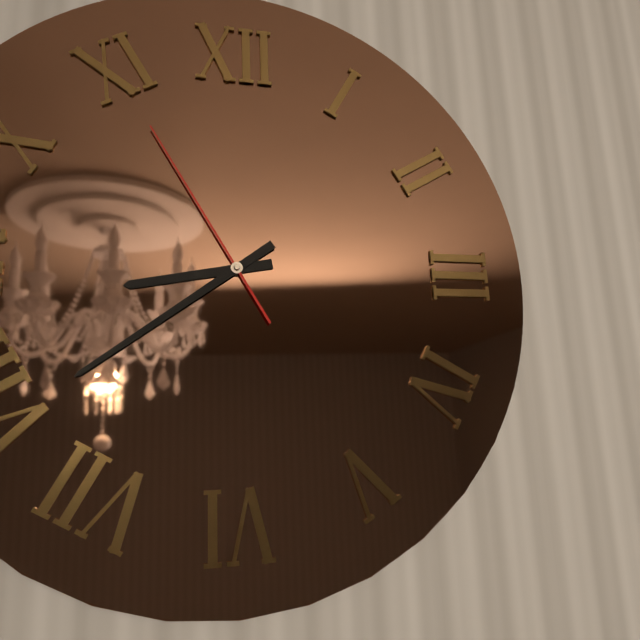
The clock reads 8:39:55
